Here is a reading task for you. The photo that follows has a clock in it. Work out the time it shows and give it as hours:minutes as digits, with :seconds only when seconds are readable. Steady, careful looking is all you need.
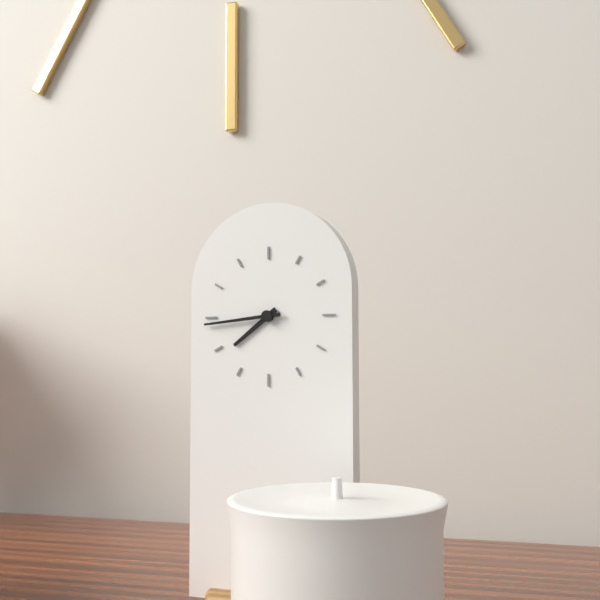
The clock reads 7:44
